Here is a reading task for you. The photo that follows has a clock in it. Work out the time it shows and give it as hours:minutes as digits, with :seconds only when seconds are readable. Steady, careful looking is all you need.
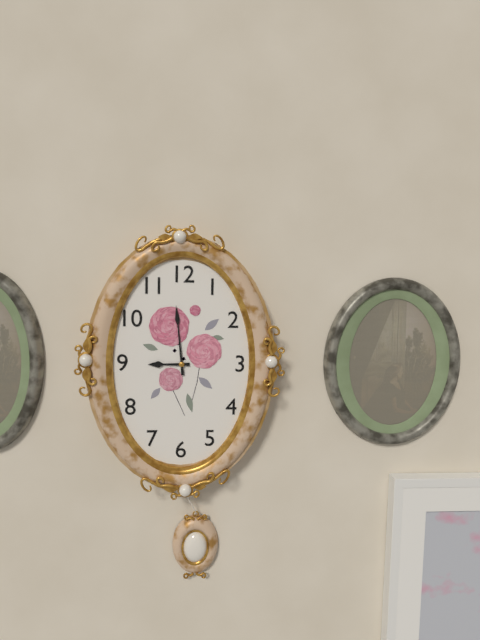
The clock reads 8:59
